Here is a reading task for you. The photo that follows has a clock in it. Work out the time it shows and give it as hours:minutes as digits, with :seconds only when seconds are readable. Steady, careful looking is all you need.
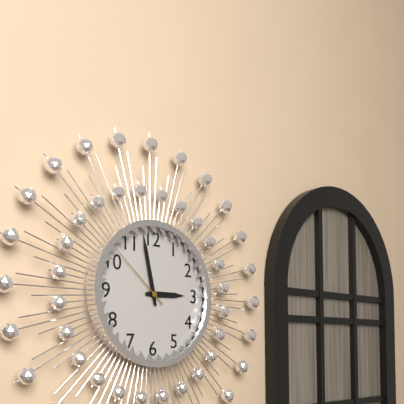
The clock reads 2:58:52
